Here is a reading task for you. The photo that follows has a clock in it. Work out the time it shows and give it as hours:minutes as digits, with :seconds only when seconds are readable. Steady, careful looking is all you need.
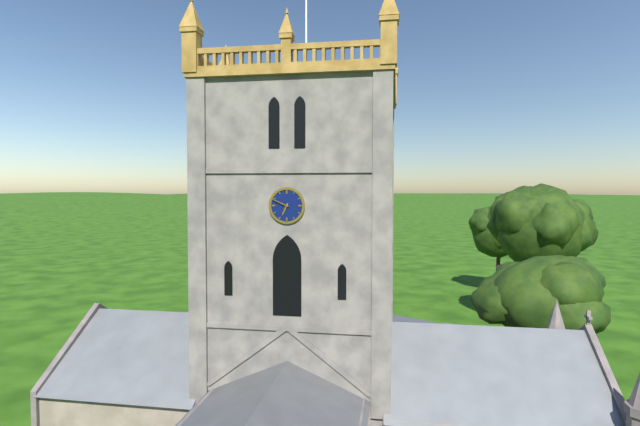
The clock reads 6:49
